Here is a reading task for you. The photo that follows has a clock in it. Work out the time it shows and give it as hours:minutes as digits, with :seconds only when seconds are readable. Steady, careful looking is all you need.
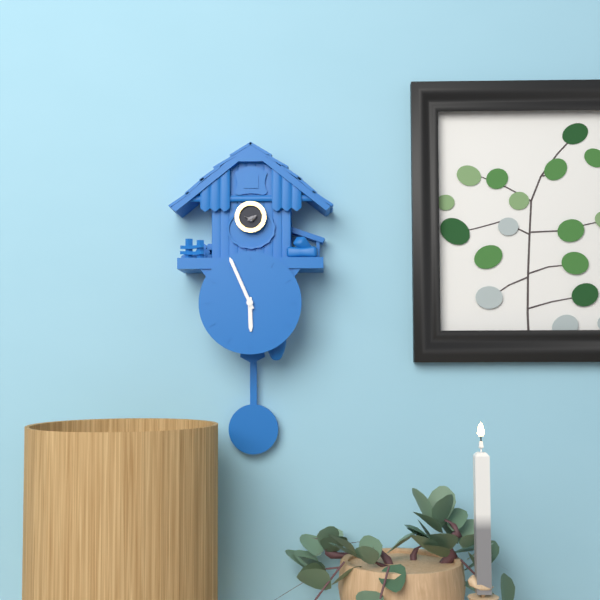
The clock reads 5:56
